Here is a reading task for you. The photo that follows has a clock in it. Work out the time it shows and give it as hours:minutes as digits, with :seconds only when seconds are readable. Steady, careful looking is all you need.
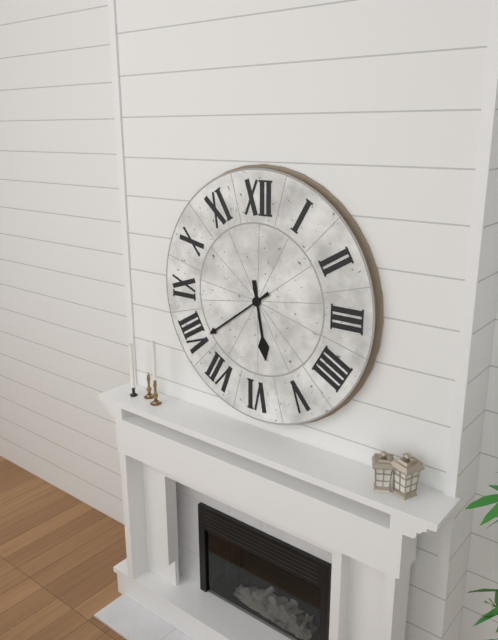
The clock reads 5:39
